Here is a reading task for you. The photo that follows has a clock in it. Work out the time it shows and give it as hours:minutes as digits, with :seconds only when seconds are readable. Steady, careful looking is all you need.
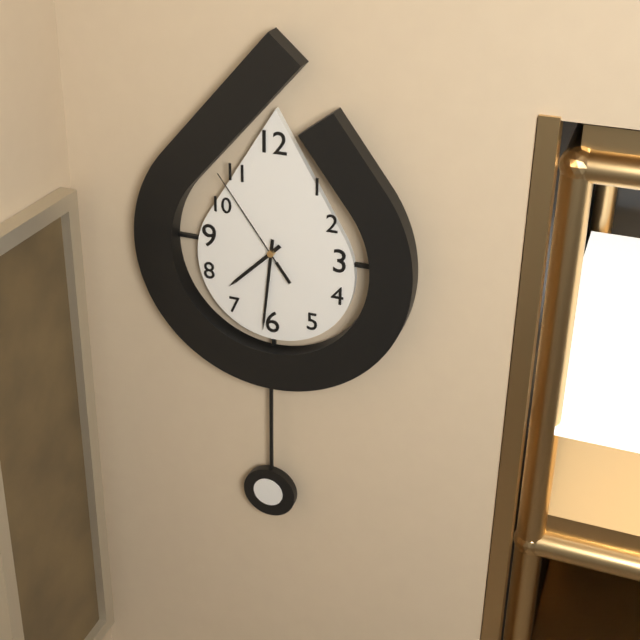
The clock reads 7:31:54
